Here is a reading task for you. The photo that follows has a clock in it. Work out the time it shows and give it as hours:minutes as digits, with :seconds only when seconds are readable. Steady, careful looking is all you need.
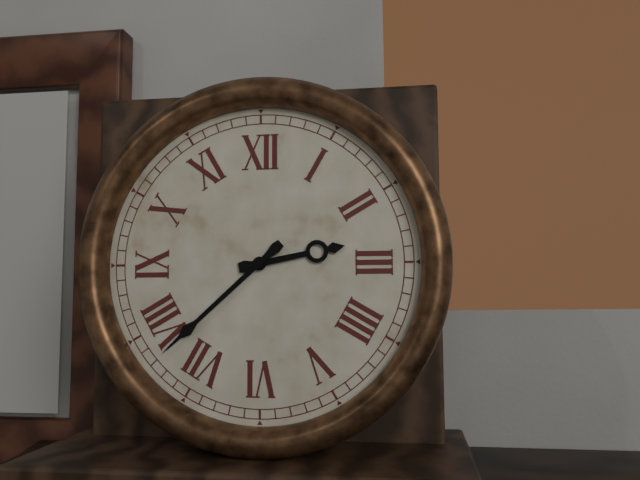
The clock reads 2:38
